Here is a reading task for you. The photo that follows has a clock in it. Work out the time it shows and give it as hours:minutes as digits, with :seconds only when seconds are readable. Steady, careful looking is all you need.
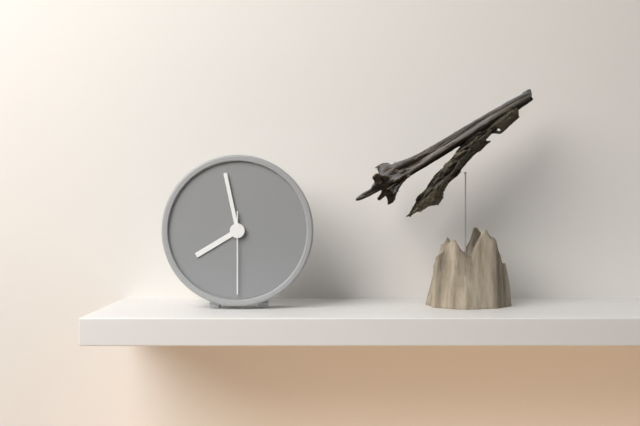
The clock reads 7:58:30
